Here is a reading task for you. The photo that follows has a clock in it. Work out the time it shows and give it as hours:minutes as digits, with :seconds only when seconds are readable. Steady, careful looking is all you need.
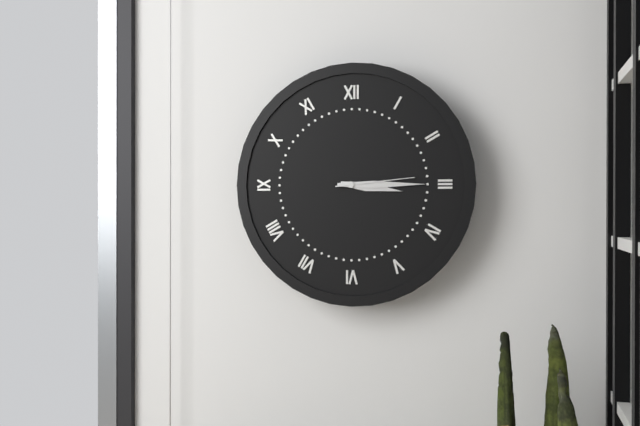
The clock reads 3:15:14
